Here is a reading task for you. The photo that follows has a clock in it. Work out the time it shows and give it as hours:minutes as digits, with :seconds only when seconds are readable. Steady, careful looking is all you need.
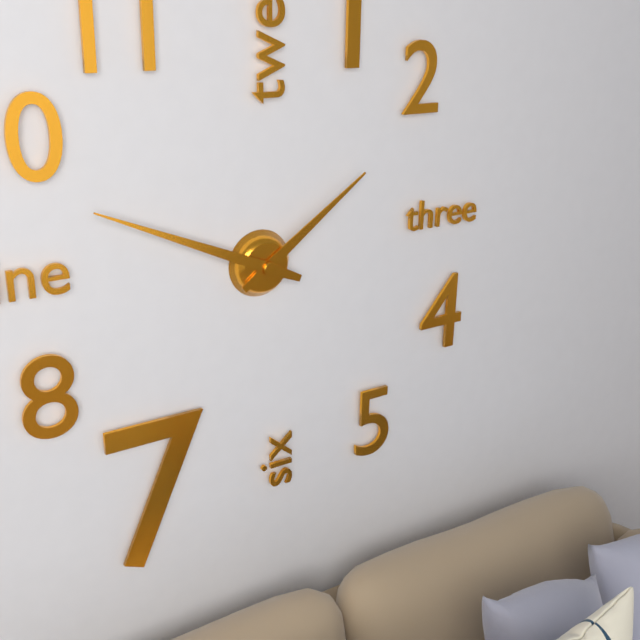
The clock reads 1:49
